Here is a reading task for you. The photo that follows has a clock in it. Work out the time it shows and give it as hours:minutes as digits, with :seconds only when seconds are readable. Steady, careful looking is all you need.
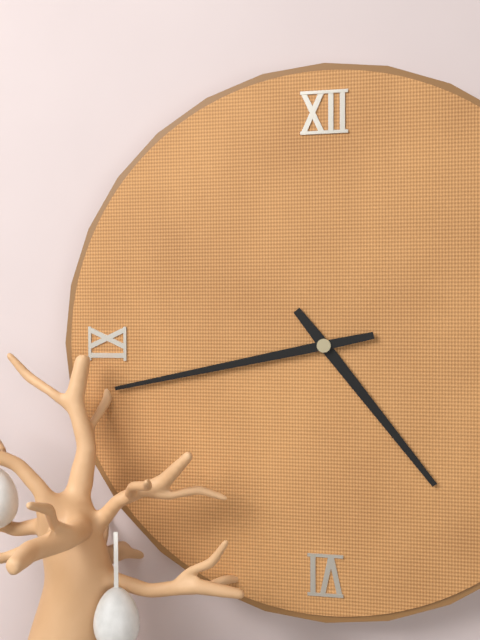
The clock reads 4:43
